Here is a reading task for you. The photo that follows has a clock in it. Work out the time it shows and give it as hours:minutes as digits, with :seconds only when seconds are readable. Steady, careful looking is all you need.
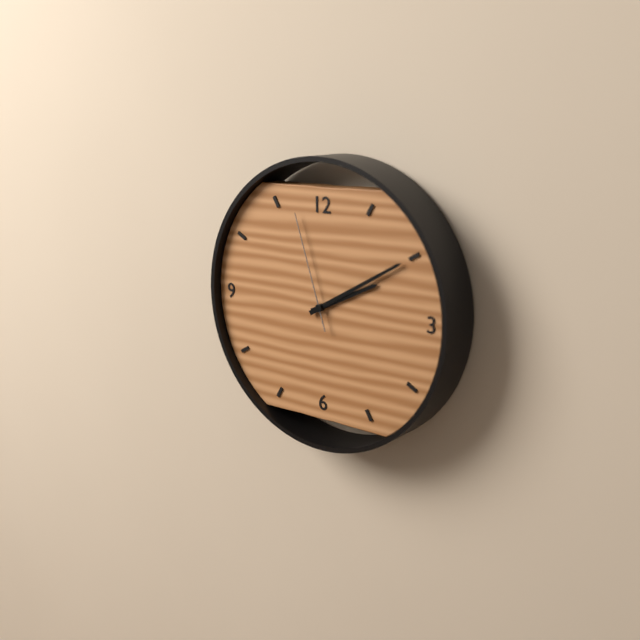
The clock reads 2:10:57
